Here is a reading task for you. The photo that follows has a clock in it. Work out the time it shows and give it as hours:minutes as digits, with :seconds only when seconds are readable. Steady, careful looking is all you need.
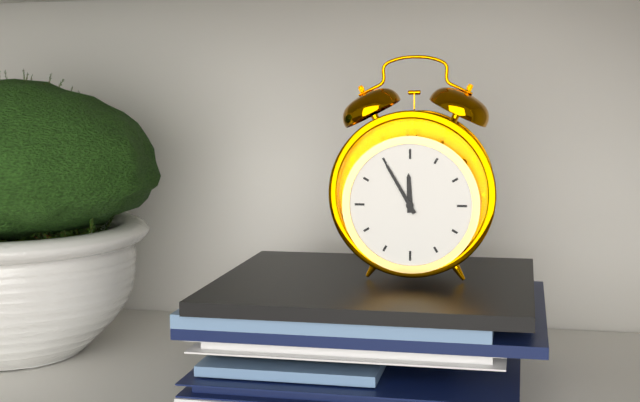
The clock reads 11:55
